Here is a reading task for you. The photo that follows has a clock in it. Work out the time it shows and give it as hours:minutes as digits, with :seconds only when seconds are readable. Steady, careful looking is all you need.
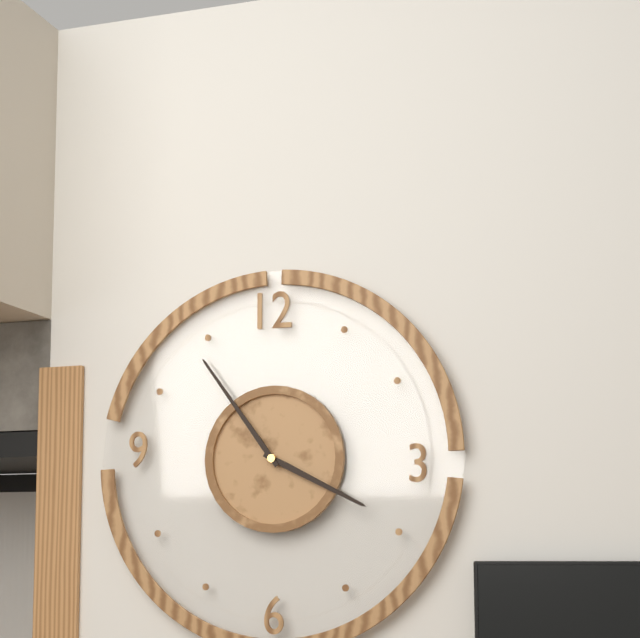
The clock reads 3:54
